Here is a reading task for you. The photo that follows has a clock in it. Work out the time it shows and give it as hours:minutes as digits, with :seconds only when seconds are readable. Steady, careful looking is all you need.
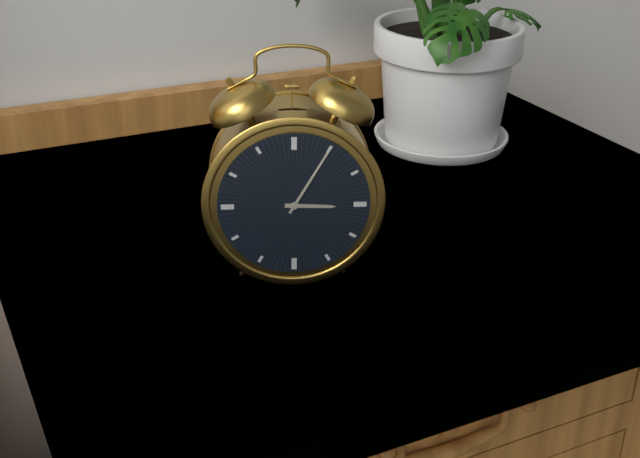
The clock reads 3:05
